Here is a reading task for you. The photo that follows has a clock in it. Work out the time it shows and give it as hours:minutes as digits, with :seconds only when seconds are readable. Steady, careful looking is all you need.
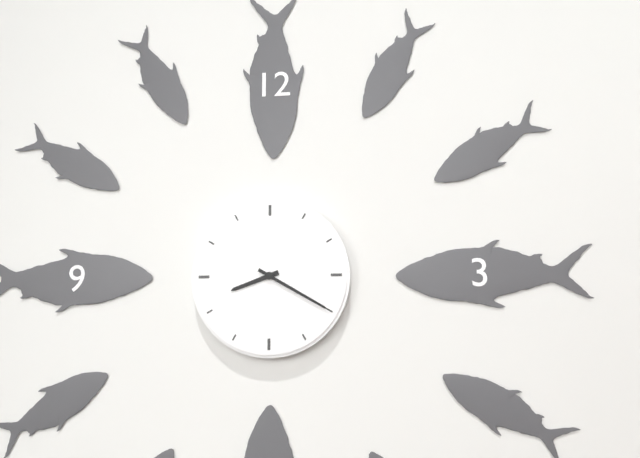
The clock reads 8:20
